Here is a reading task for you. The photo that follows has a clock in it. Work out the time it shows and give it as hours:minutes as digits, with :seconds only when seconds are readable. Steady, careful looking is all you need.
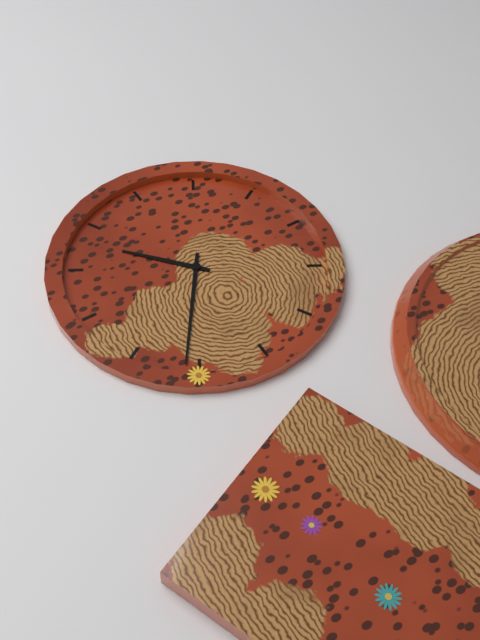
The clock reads 10:36
